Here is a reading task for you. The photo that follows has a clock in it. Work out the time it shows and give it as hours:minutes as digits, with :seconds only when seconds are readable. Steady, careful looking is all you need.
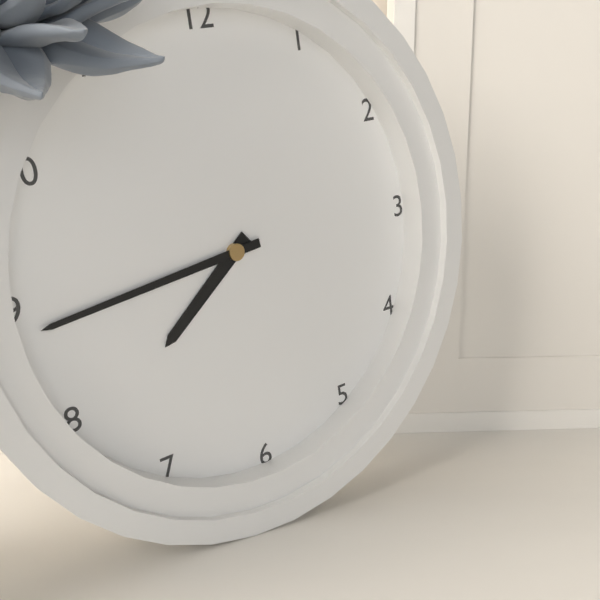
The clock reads 7:44
